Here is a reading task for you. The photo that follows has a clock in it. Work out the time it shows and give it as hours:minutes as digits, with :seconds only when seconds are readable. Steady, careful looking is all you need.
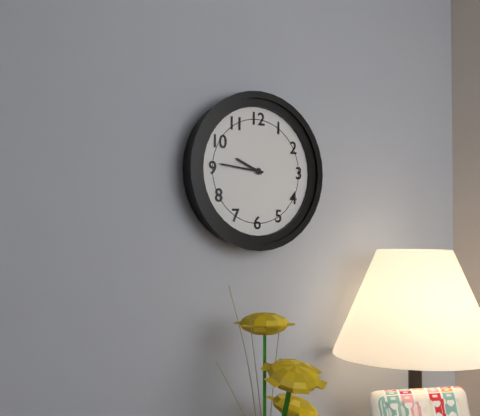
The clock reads 9:46
